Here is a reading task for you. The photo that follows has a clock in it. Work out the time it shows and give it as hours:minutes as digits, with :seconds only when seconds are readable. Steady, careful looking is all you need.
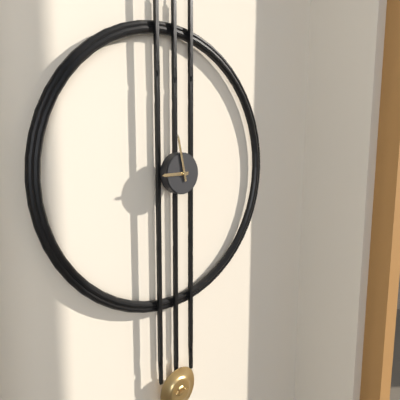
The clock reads 8:58
